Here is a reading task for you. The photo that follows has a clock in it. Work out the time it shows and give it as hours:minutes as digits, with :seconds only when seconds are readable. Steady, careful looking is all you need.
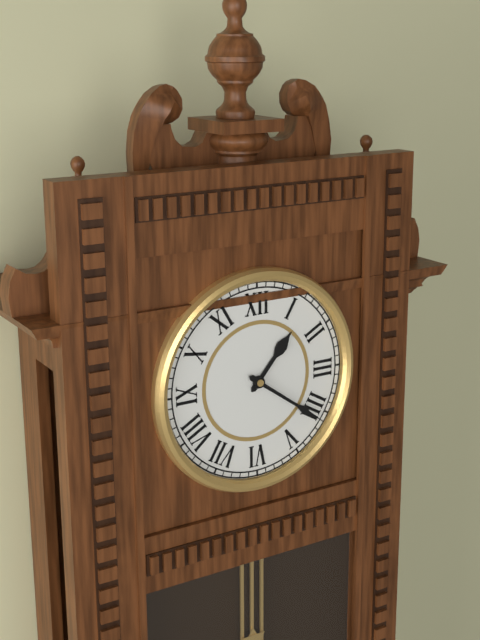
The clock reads 1:21
